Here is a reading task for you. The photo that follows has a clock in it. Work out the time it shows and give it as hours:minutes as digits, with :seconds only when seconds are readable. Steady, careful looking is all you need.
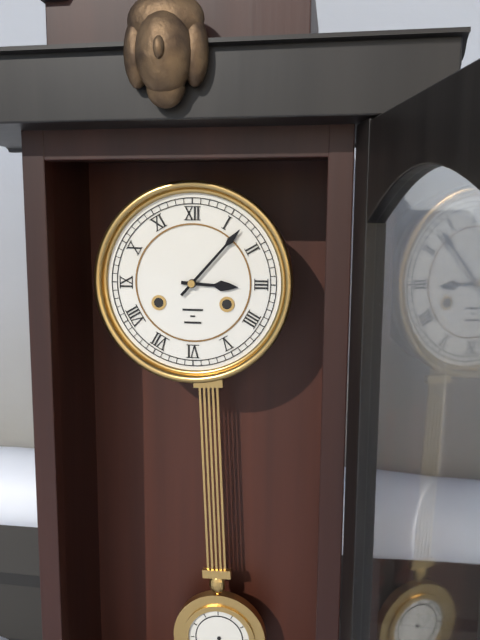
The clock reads 3:07
